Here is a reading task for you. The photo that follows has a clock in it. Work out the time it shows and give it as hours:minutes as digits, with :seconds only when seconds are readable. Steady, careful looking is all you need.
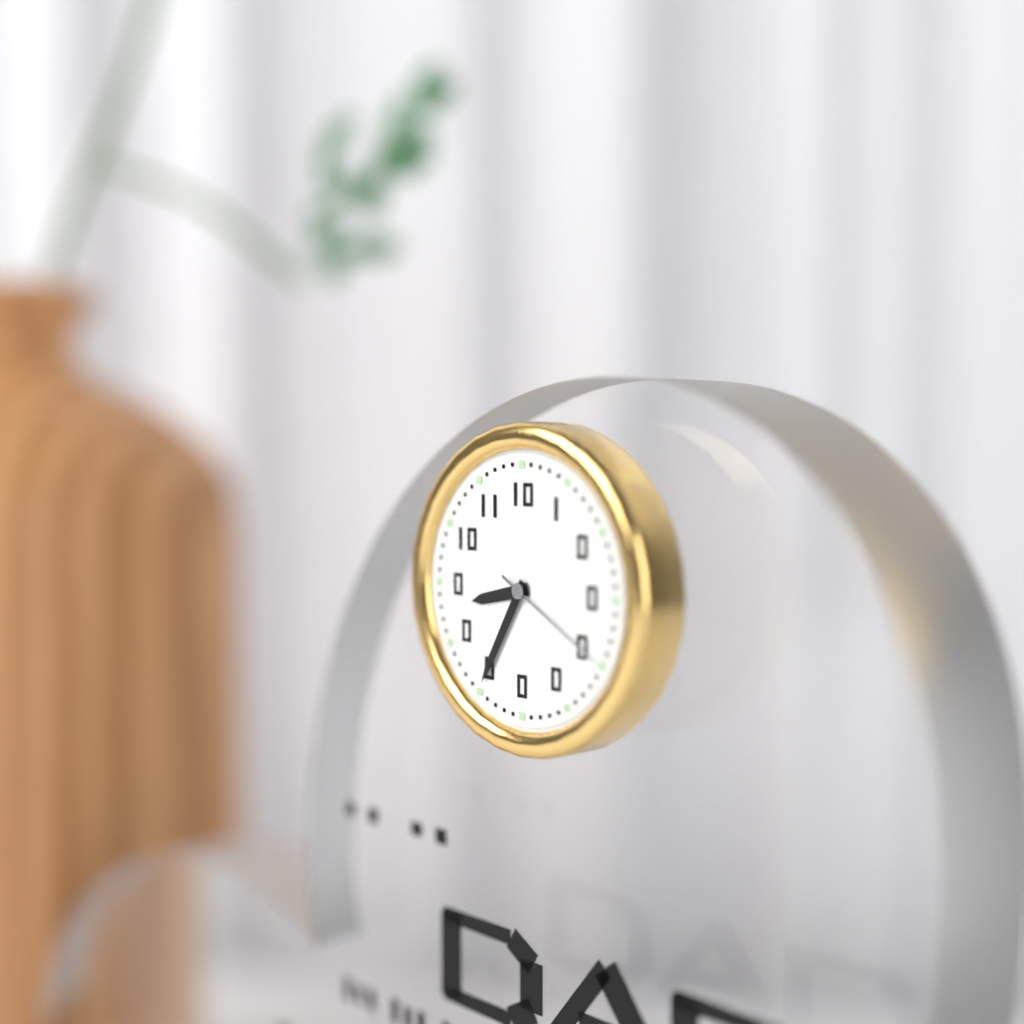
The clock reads 8:35:20
